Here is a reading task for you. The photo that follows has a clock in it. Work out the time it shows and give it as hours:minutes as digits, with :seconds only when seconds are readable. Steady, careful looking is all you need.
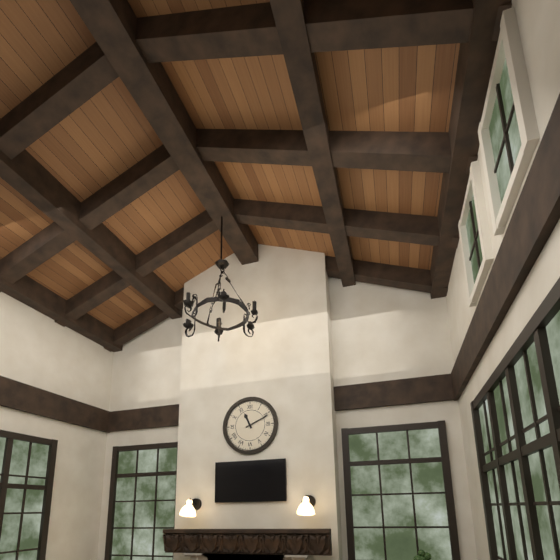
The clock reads 11:11
